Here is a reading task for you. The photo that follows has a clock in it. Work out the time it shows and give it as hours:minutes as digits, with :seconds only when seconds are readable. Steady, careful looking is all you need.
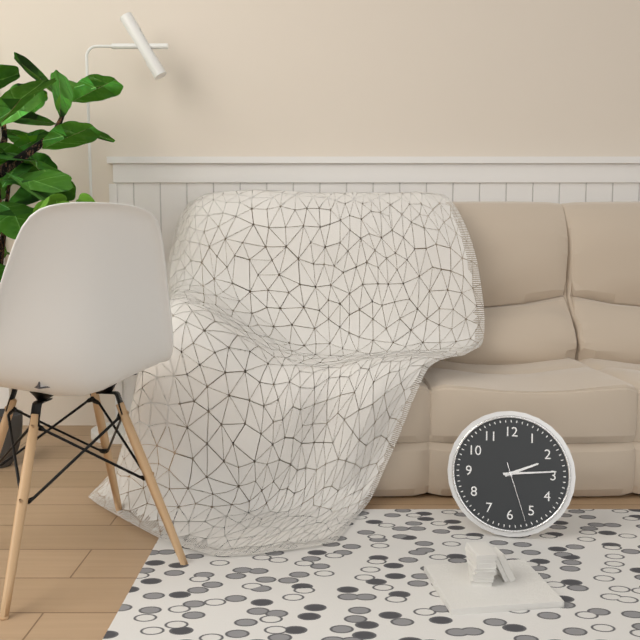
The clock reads 2:14:27
